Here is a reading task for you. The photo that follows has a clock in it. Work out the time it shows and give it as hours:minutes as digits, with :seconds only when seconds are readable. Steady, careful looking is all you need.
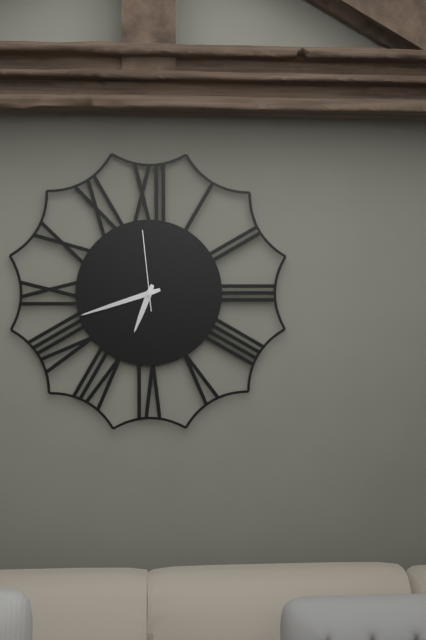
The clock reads 6:42:59
